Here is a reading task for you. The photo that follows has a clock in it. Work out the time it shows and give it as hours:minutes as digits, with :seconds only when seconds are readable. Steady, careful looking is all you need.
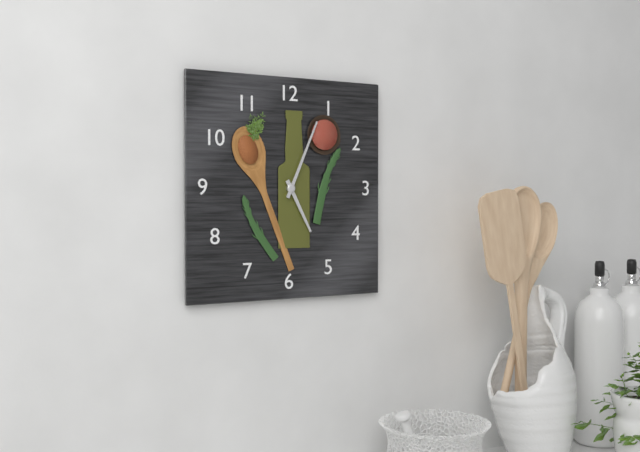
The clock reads 5:04
